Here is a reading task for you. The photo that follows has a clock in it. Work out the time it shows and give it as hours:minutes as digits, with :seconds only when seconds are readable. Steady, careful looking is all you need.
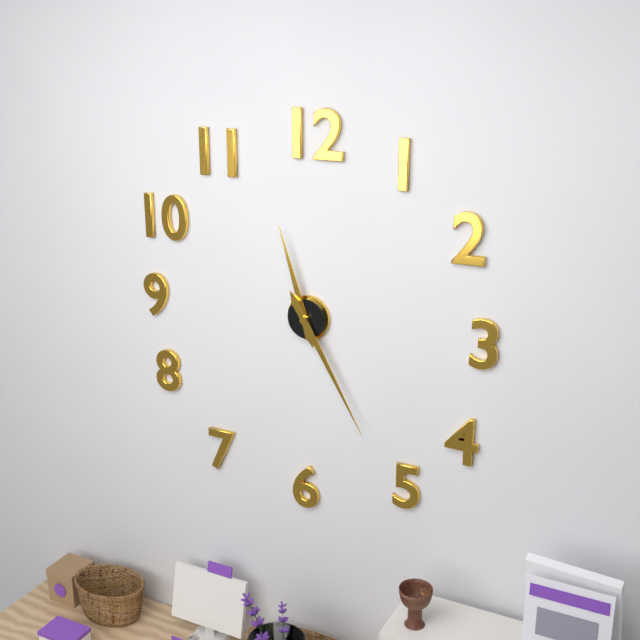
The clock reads 11:25
